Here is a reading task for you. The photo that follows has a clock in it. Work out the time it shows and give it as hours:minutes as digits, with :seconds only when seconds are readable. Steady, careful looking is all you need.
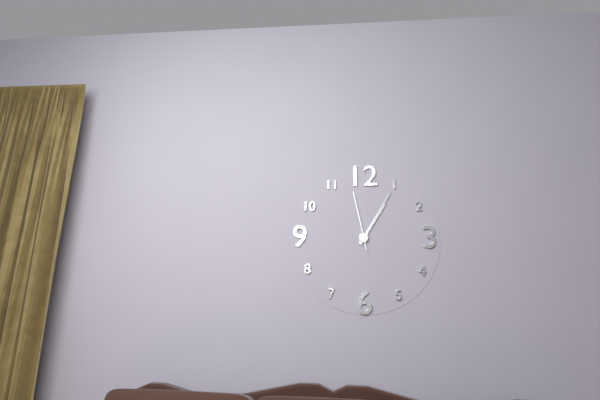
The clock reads 1:05:58
